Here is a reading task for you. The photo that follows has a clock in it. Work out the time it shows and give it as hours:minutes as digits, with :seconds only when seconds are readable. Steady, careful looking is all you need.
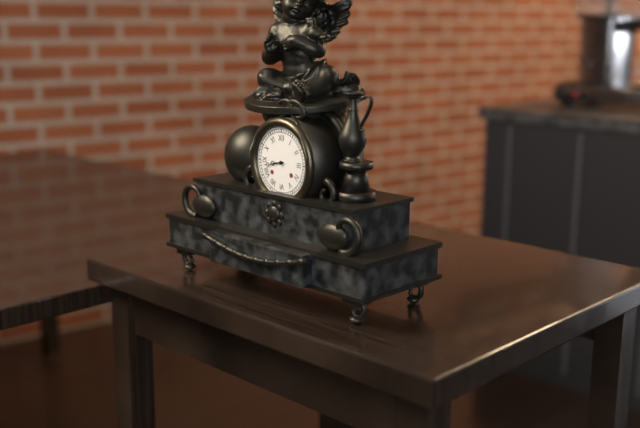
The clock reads 8:43
